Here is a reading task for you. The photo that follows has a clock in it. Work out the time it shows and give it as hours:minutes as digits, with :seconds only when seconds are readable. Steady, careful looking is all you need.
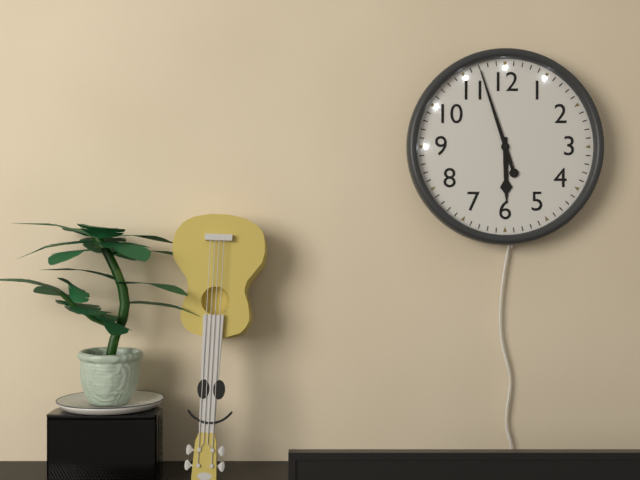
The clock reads 5:57
